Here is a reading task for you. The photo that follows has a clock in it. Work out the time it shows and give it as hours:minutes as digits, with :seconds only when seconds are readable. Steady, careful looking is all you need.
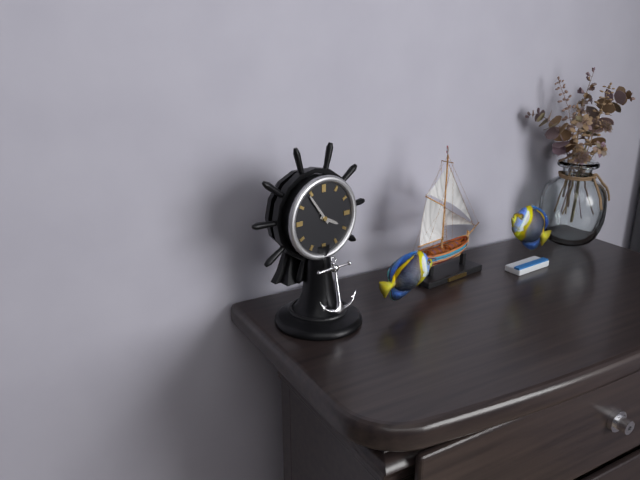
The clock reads 3:54
